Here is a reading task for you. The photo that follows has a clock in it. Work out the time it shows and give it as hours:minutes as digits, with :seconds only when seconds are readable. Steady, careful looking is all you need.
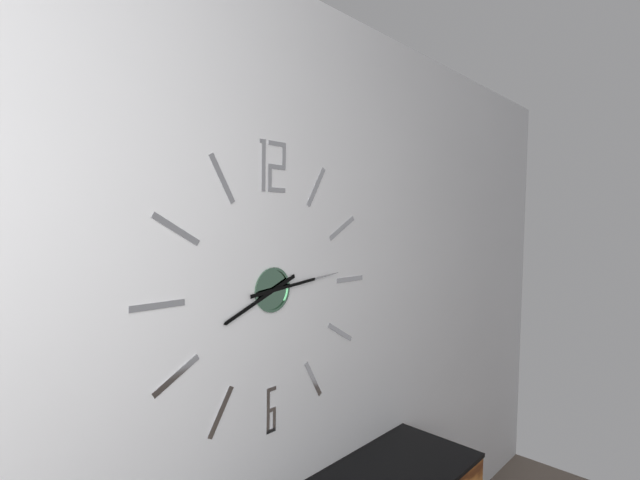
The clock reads 8:14
